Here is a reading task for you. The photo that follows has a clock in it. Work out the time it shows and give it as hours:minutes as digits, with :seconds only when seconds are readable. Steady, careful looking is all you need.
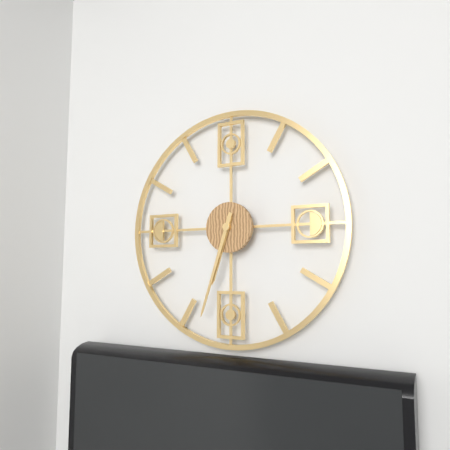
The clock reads 6:33
